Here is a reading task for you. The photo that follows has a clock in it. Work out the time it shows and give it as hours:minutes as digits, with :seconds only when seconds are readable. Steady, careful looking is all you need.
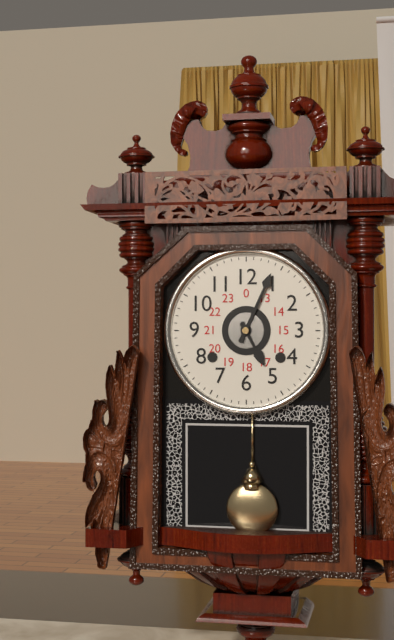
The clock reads 5:04
